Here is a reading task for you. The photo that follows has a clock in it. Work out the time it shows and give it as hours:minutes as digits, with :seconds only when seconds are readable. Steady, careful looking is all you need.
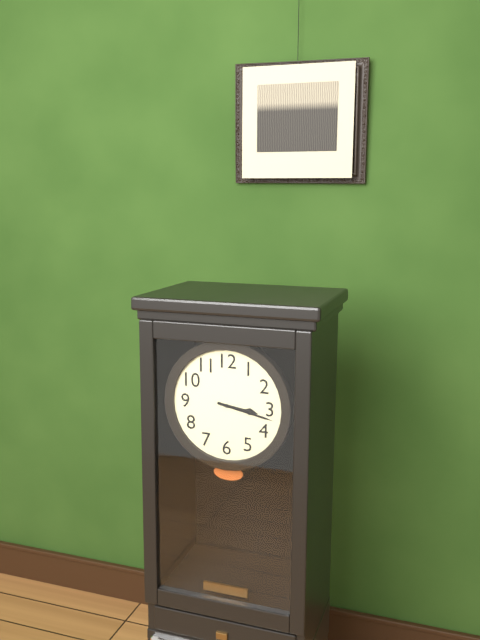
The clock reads 3:17
